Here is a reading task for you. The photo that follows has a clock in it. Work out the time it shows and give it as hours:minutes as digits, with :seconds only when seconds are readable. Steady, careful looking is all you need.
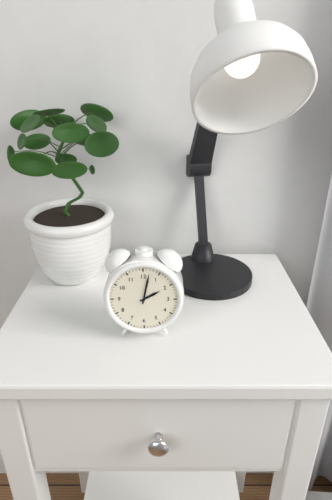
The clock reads 2:02
